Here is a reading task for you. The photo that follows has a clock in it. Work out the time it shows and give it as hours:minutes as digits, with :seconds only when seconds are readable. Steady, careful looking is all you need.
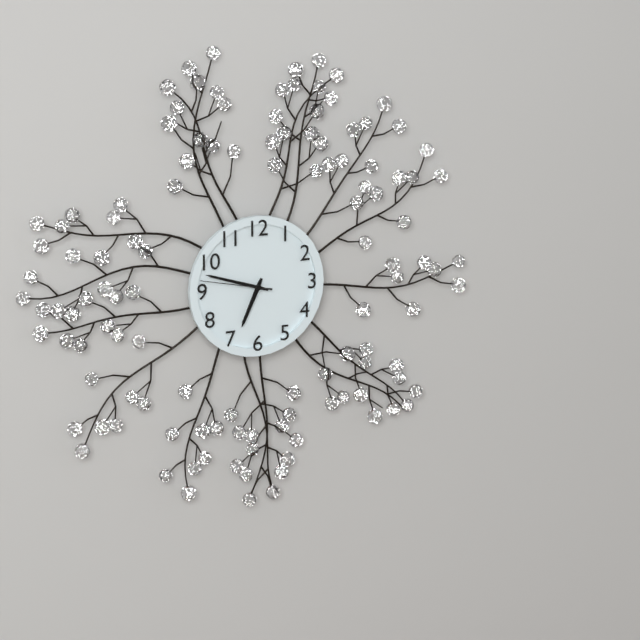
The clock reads 6:48:47
